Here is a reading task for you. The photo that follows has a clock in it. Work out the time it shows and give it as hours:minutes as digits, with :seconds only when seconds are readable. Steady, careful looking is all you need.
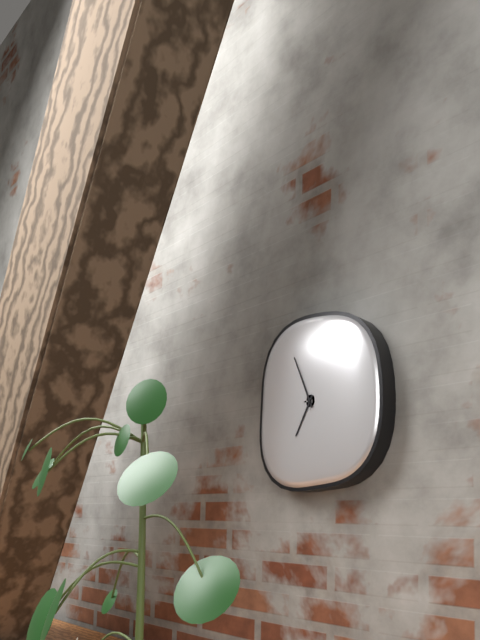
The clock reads 6:56
